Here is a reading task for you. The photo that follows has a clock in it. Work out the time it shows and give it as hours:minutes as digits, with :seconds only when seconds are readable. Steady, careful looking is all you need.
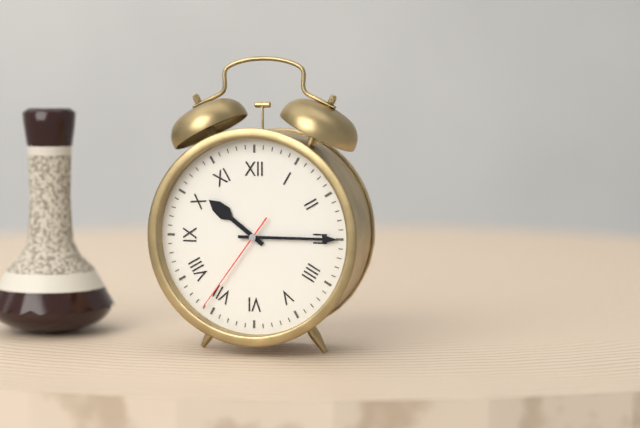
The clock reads 10:15:36
